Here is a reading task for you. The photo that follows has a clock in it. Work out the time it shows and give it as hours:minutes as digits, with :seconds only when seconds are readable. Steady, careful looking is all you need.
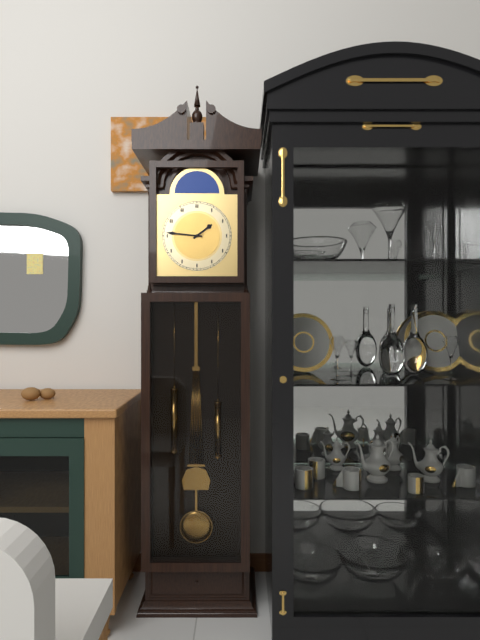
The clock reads 1:46
